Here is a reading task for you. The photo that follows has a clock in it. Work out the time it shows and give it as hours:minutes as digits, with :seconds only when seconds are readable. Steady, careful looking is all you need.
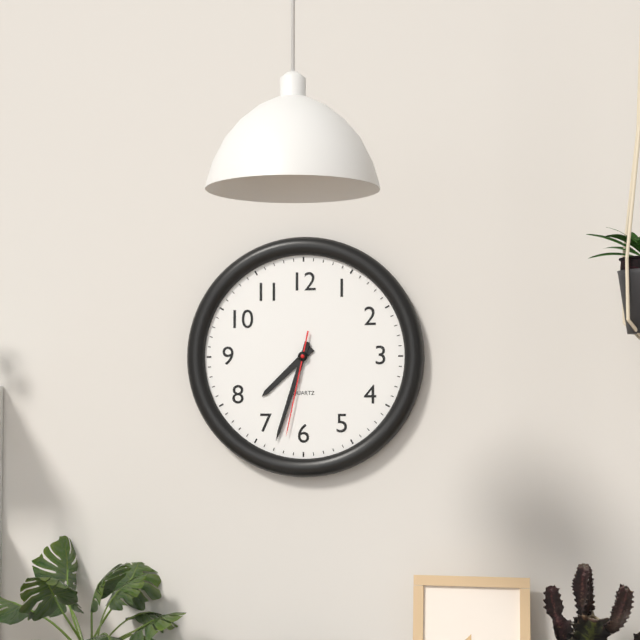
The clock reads 7:33:32
